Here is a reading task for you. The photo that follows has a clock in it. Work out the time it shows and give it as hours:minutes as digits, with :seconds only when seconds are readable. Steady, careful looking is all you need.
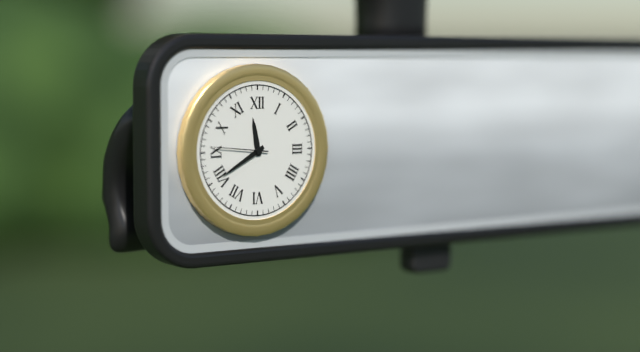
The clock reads 11:40:46
